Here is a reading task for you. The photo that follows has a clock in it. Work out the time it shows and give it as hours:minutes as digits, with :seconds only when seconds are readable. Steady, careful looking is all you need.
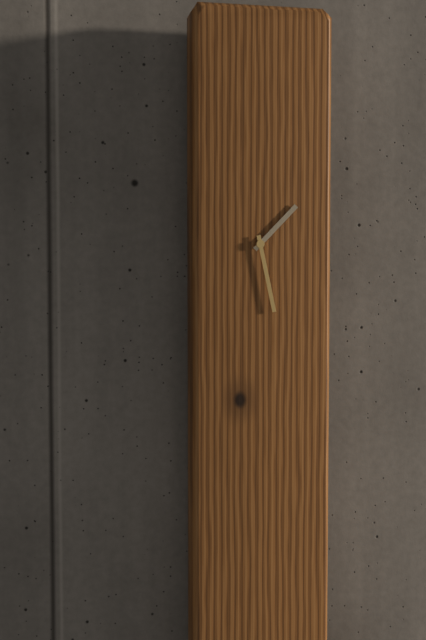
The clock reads 1:28
